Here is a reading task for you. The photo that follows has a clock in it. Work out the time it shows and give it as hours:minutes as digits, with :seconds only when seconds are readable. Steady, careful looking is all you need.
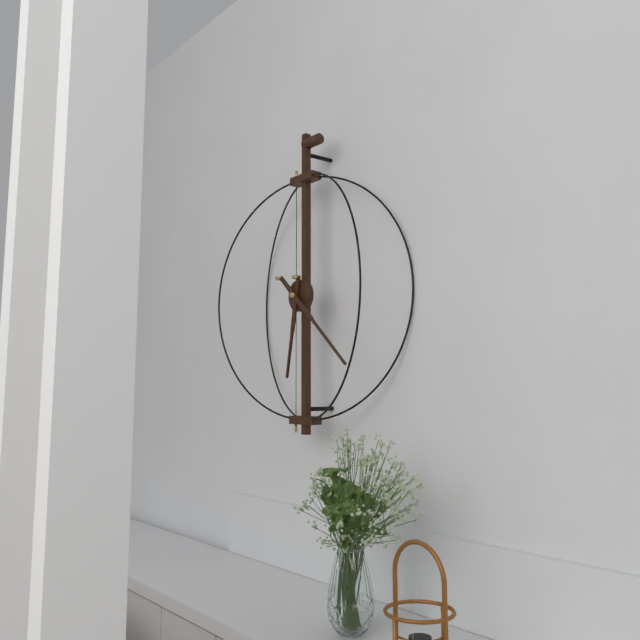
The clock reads 6:22
